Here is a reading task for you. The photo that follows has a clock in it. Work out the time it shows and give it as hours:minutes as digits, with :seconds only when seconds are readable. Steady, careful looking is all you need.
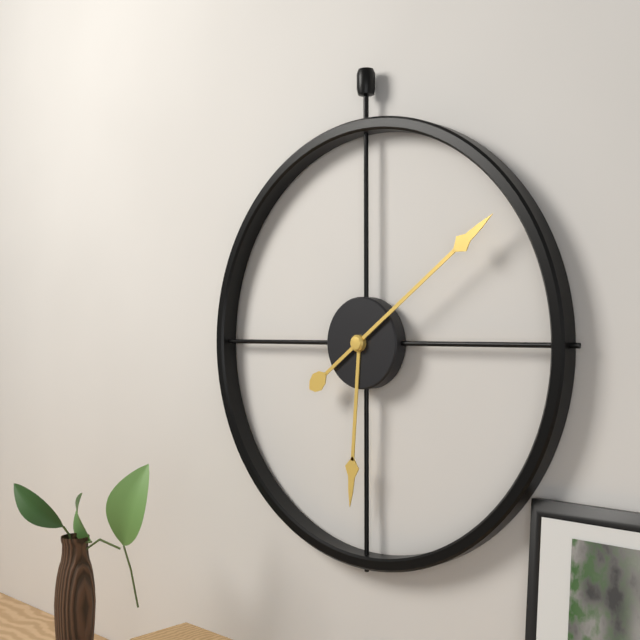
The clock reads 6:09
